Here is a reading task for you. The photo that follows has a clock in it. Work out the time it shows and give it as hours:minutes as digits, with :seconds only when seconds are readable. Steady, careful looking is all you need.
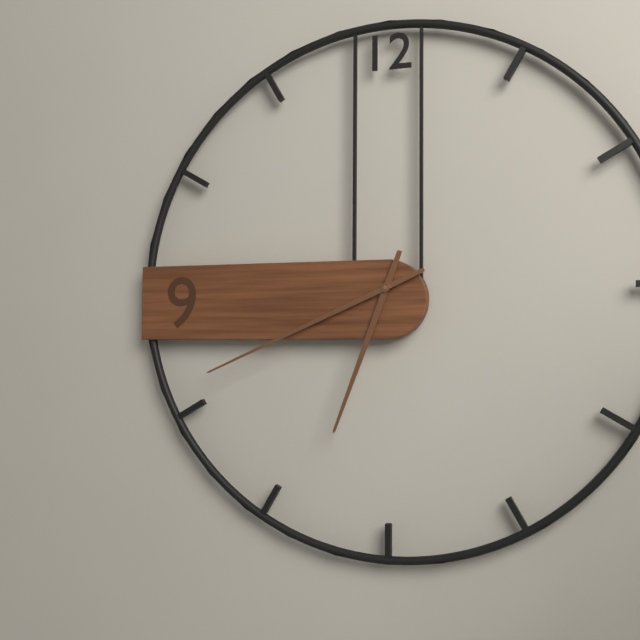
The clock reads 6:41
